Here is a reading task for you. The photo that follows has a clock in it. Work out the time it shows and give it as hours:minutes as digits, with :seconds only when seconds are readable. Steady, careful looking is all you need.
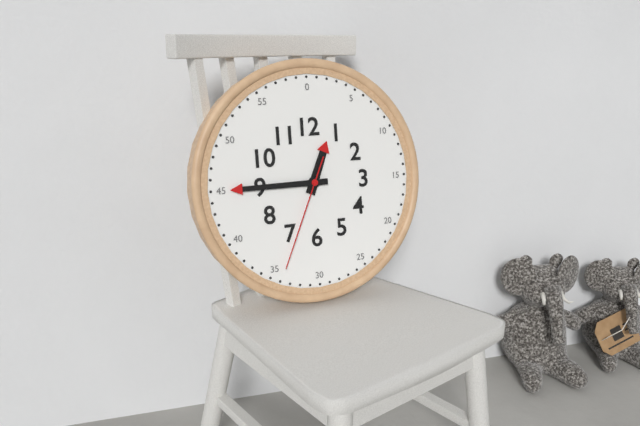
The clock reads 12:45:34
